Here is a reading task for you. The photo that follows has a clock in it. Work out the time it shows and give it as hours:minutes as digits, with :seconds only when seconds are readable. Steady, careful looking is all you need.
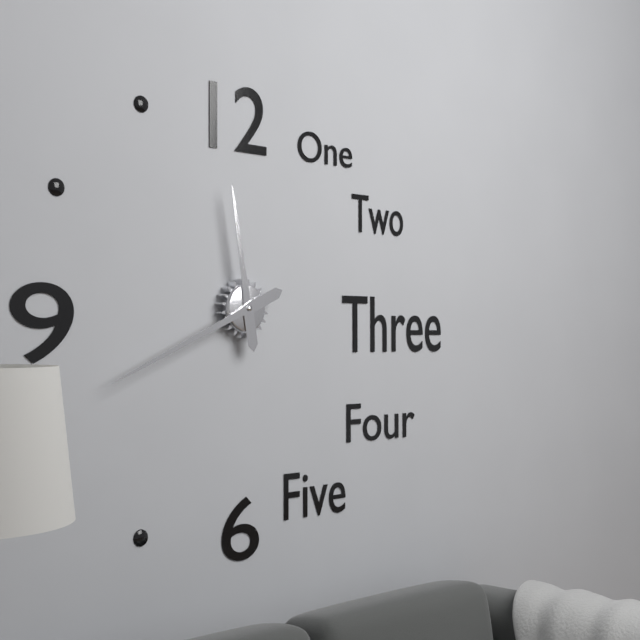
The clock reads 11:41
